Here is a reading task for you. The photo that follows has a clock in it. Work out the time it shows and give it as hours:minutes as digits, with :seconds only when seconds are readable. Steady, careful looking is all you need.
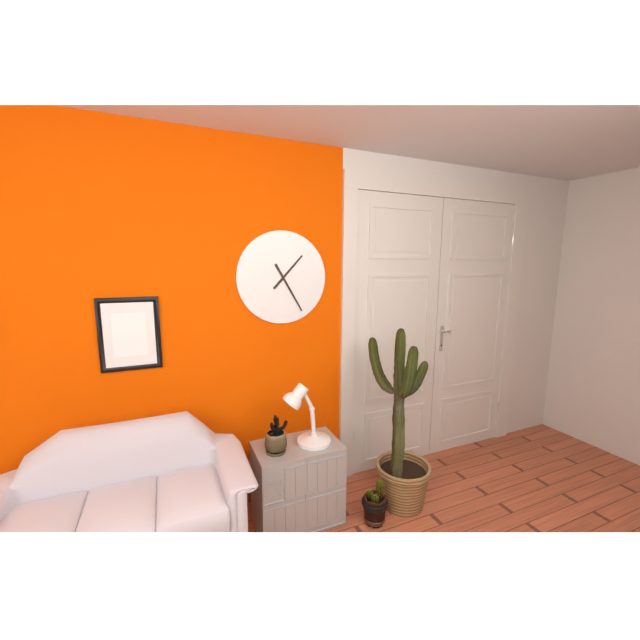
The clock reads 1:25
